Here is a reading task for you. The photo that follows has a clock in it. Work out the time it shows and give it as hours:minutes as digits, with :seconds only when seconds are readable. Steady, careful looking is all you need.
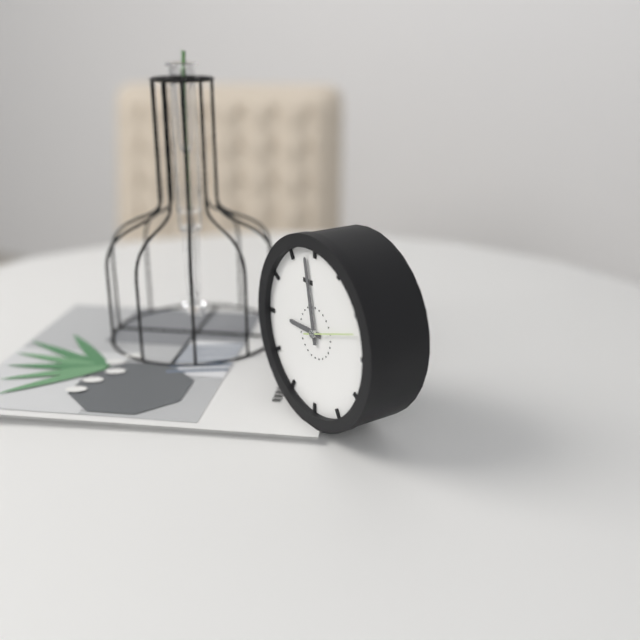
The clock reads 8:58:12
